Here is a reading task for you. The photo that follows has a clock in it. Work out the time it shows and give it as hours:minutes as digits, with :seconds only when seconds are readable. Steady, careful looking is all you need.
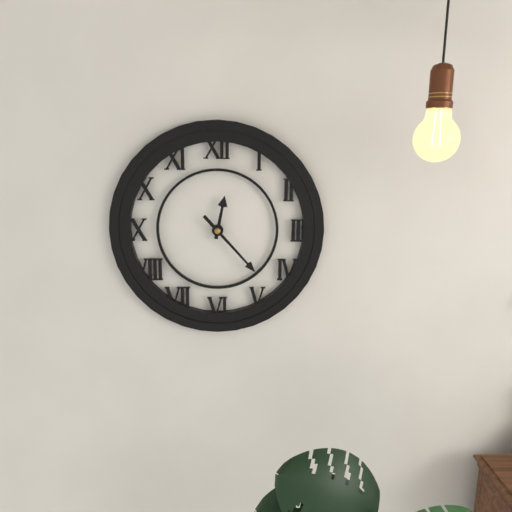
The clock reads 12:23
